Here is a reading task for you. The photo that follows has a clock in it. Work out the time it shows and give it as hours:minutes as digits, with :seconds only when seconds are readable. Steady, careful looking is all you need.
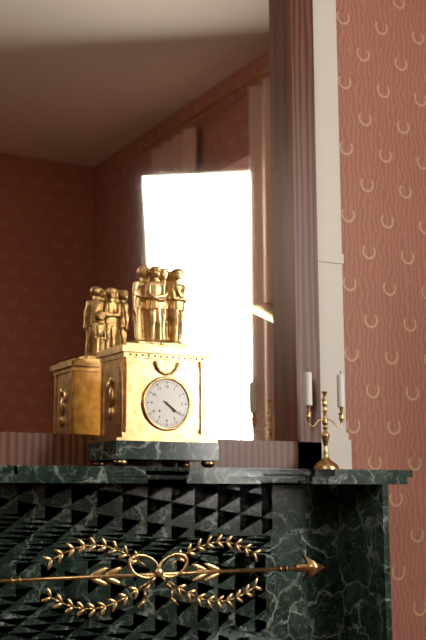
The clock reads 4:21
